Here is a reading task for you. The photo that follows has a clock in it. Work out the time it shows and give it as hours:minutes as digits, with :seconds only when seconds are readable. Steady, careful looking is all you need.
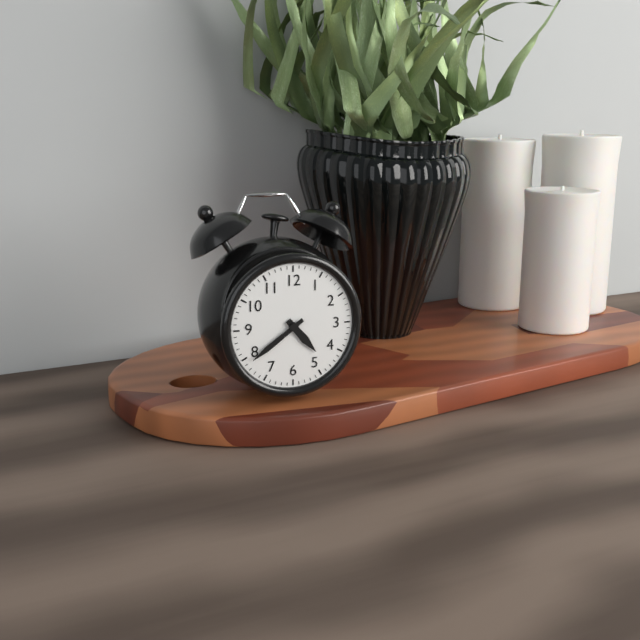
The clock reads 4:39
